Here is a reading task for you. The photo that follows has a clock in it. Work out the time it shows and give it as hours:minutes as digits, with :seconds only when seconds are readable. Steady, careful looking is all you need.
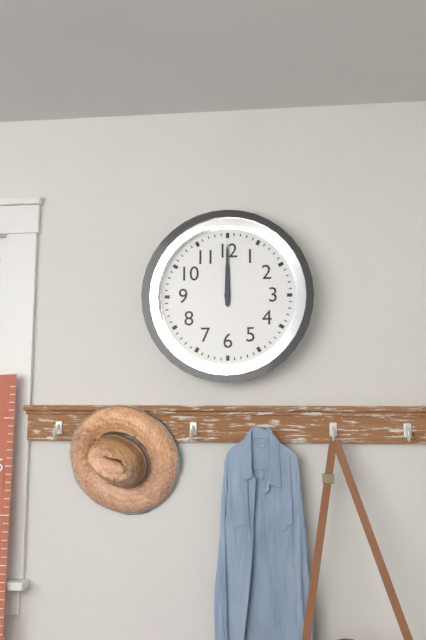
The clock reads 12:00
